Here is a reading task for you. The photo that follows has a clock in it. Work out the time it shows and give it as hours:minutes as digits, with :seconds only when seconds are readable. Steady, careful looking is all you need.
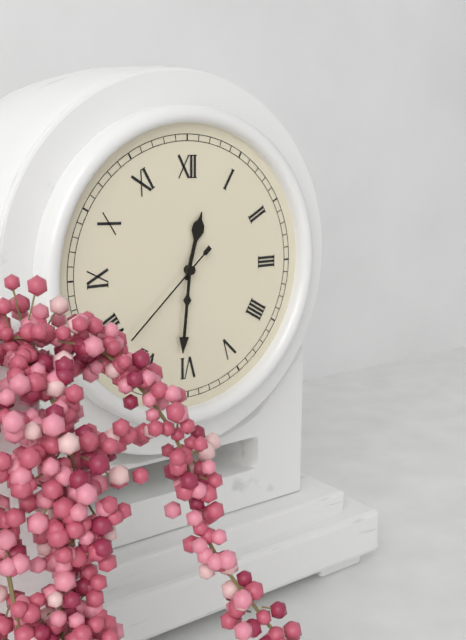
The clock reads 12:31:38
